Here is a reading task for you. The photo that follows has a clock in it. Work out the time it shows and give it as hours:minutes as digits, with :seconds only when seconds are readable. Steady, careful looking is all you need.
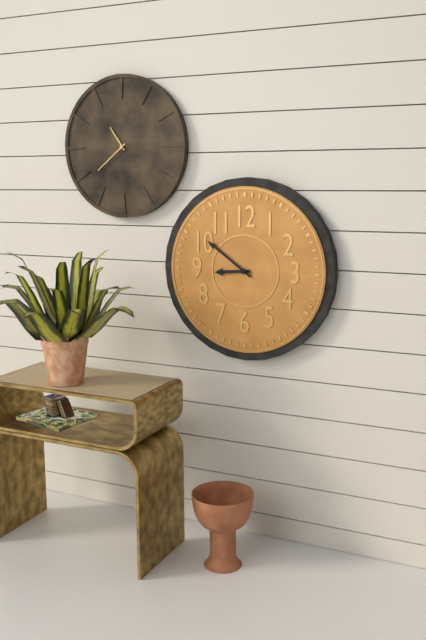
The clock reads 8:51
